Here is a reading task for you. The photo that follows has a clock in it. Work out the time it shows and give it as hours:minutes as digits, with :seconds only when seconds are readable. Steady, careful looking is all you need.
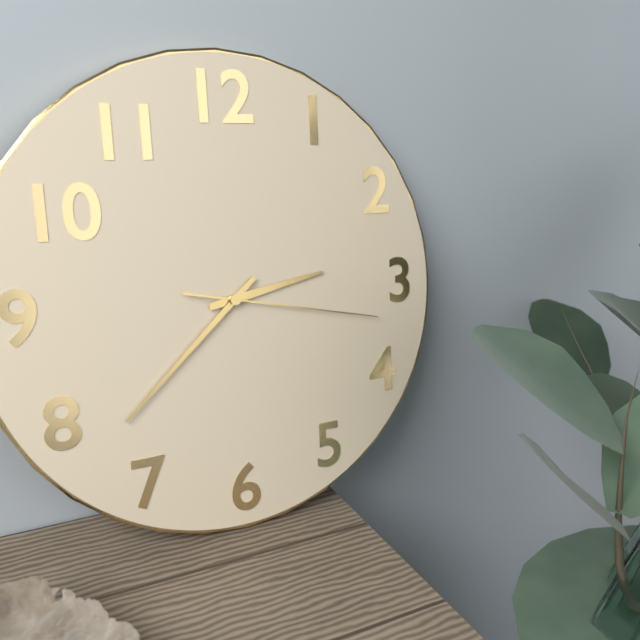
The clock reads 2:38:17
